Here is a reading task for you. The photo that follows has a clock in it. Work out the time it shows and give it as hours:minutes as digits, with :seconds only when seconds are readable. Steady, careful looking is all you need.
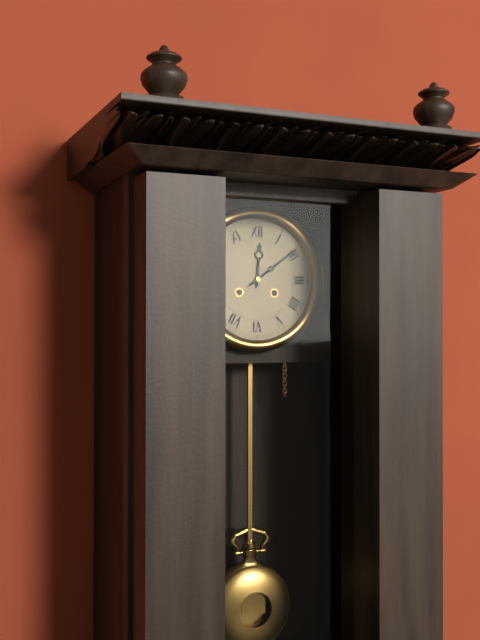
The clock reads 12:09
